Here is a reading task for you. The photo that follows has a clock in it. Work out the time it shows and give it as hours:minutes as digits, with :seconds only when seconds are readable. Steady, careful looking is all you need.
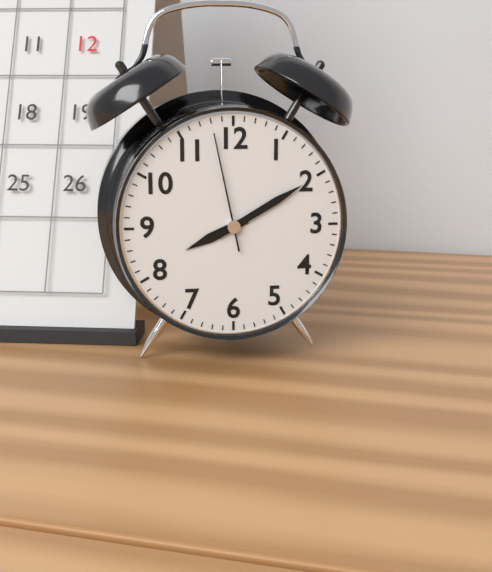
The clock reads 8:10:58
